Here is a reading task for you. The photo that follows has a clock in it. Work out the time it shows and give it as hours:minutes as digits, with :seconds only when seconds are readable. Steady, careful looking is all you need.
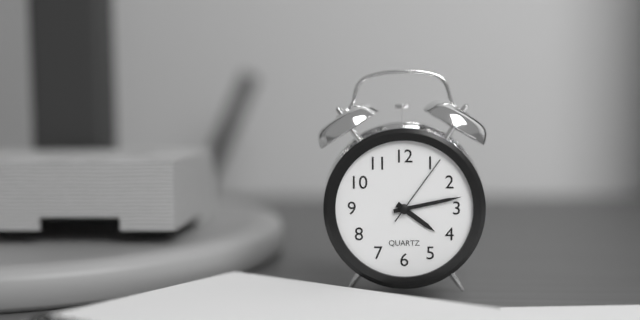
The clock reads 4:13:06
